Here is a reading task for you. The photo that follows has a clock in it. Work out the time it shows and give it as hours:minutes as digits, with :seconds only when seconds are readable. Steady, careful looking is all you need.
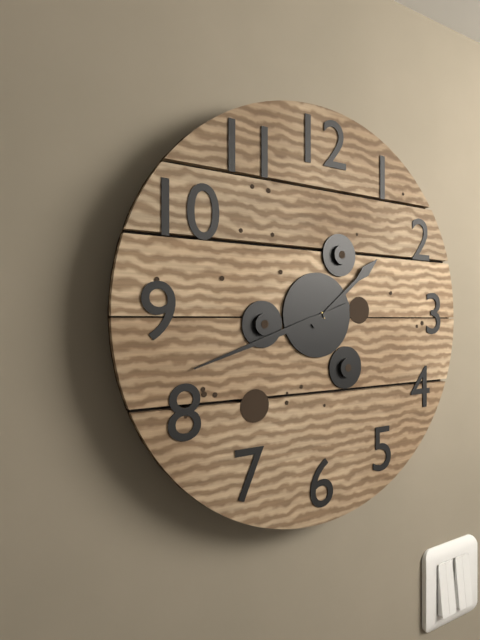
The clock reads 1:42
